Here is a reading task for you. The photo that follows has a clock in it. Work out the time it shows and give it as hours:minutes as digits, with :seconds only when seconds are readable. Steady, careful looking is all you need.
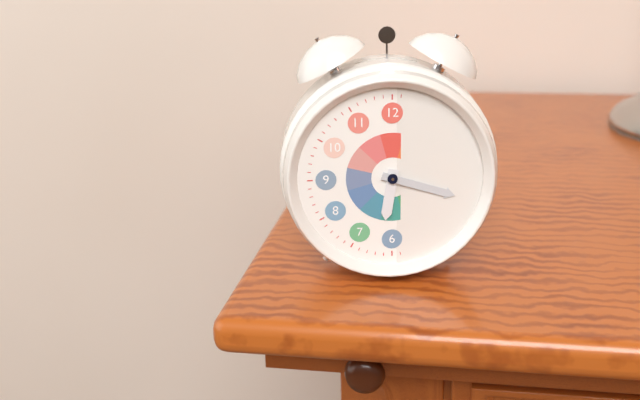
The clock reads 6:18
